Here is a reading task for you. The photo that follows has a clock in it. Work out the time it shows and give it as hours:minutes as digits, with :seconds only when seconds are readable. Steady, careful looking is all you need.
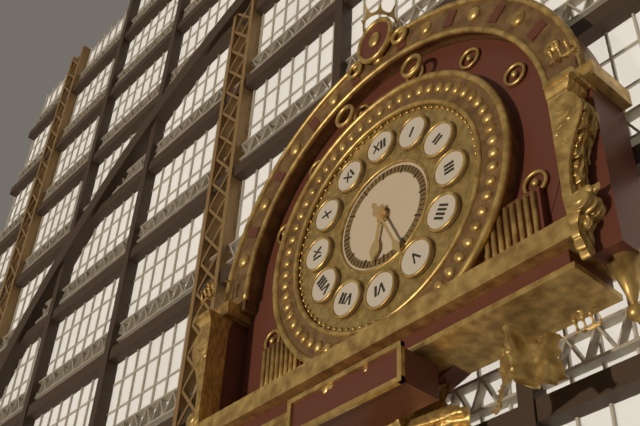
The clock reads 6:26
